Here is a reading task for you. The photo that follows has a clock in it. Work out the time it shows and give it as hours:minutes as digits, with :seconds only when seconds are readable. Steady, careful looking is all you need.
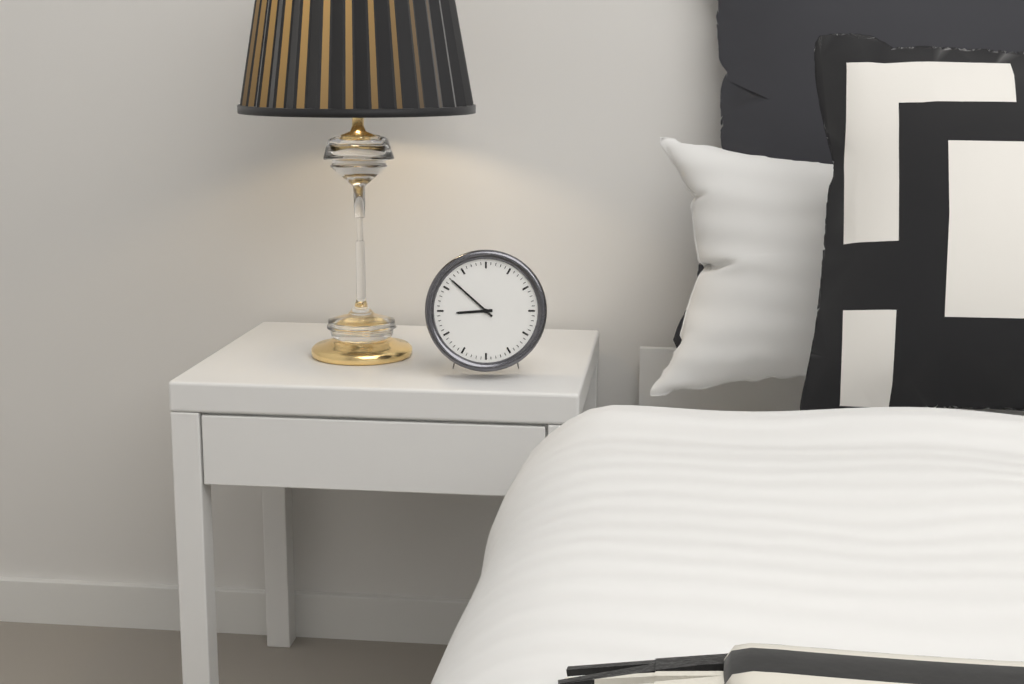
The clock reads 8:52
